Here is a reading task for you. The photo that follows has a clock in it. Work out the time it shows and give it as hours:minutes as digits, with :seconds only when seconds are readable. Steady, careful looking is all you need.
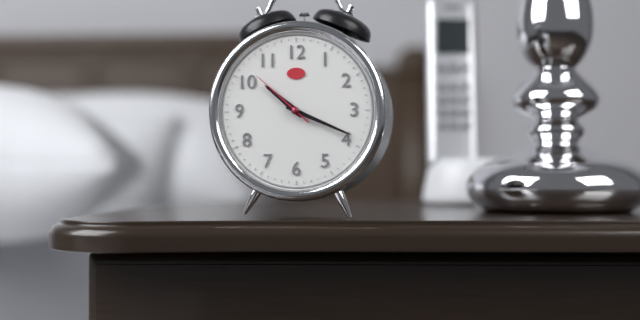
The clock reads 10:19:52
